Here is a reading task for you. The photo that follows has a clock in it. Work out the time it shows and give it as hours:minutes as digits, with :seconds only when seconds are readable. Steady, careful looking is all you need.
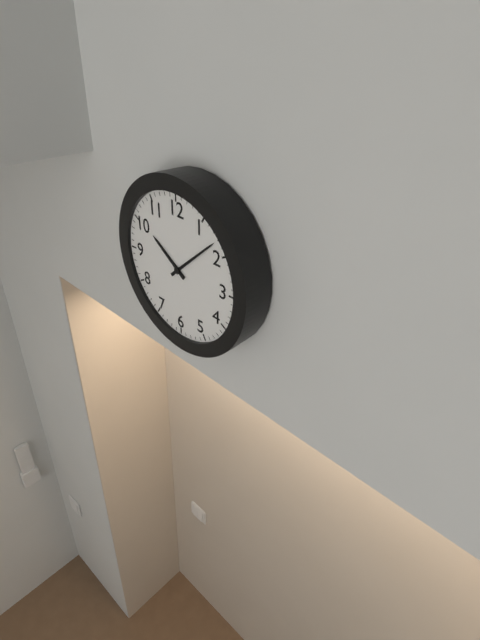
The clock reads 10:08
